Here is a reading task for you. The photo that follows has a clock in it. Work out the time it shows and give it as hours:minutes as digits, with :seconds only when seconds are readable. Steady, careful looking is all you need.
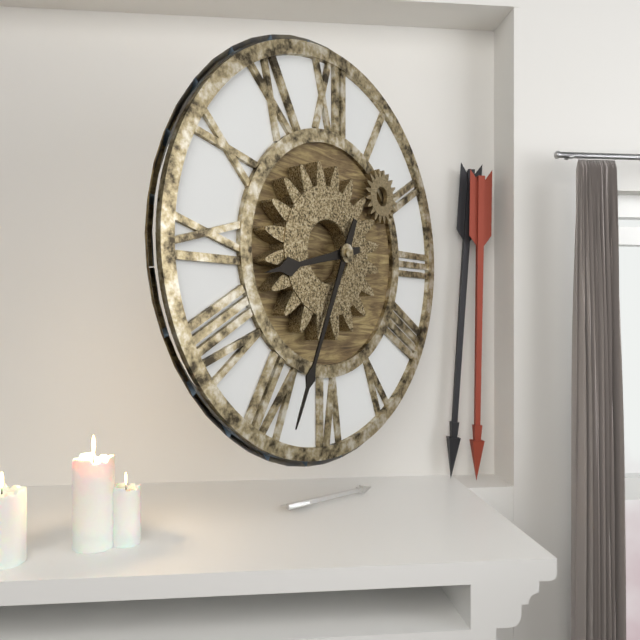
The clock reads 8:34
